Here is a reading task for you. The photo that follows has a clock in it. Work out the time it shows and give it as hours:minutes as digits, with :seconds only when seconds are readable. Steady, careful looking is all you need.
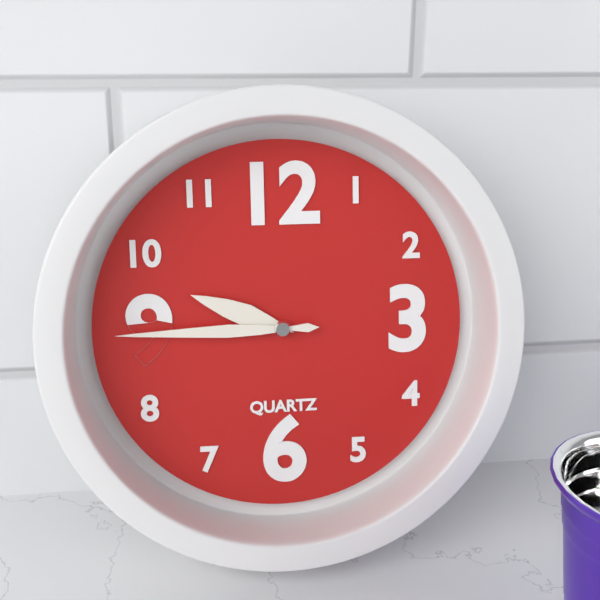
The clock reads 9:45
